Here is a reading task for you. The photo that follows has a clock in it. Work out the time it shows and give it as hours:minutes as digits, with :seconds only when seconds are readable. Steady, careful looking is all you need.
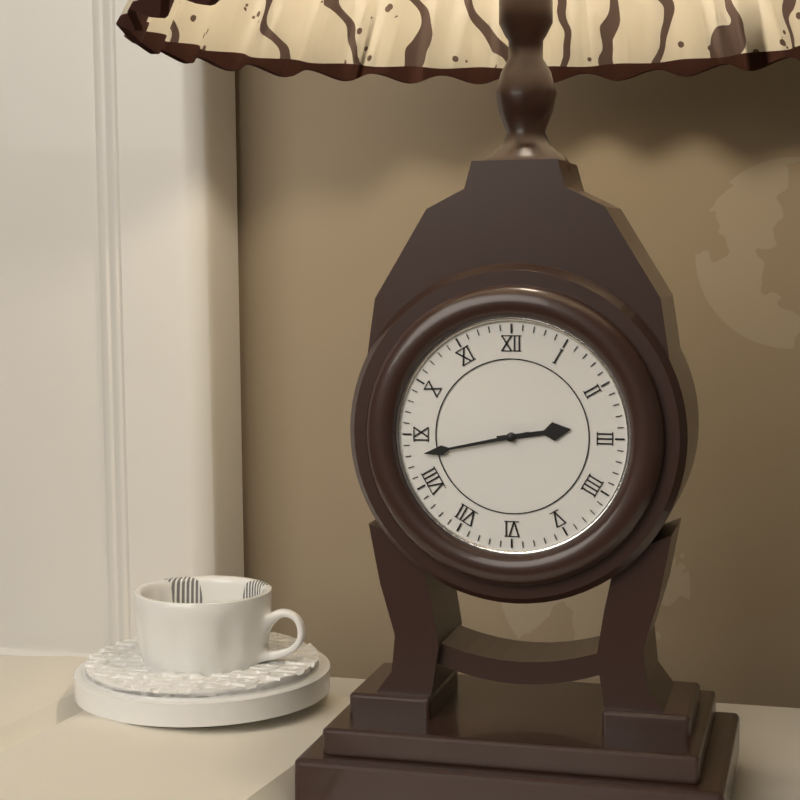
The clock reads 2:43
